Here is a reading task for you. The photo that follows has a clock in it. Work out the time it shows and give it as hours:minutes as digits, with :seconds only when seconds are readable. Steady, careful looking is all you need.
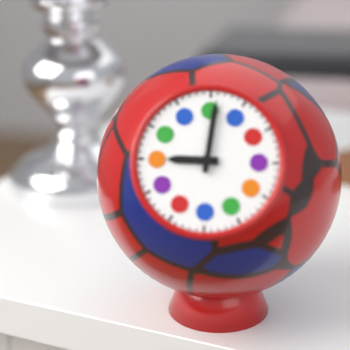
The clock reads 9:01
